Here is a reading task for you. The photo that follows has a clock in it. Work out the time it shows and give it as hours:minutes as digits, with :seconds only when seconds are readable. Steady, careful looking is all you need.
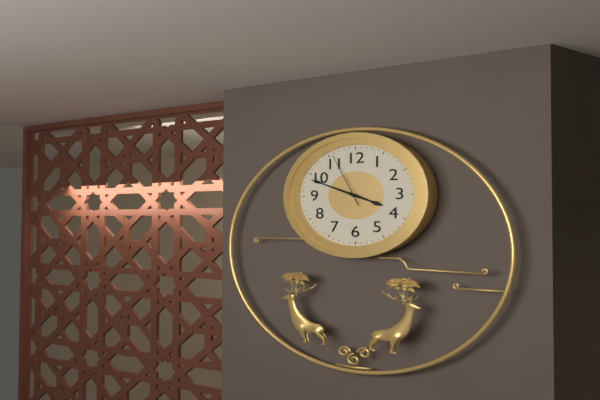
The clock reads 3:49:56
